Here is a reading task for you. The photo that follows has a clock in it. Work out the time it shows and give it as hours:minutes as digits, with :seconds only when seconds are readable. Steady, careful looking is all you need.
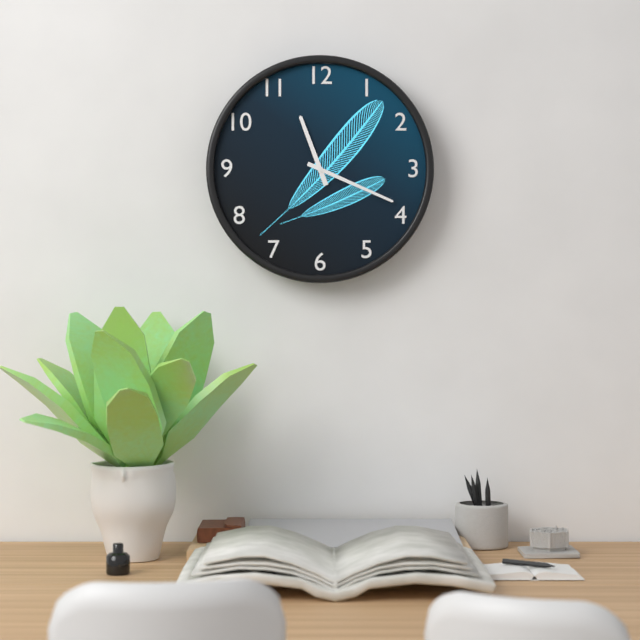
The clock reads 11:19
